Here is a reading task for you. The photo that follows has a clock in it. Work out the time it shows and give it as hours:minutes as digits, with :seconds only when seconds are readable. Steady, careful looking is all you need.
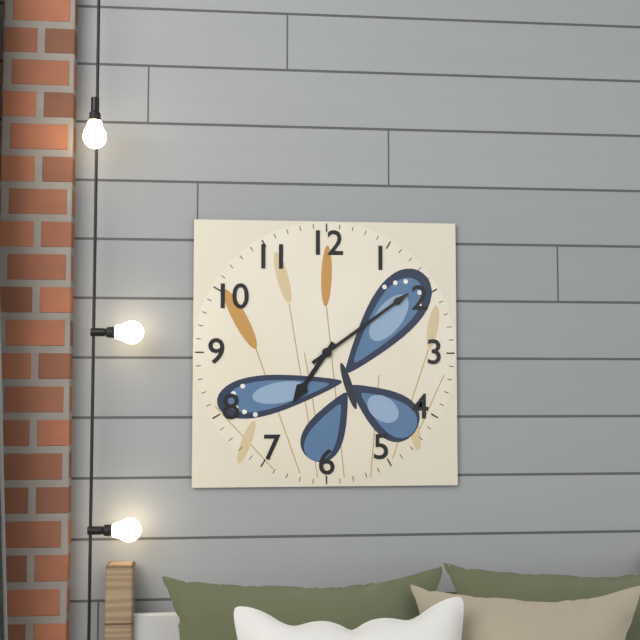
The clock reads 7:09
